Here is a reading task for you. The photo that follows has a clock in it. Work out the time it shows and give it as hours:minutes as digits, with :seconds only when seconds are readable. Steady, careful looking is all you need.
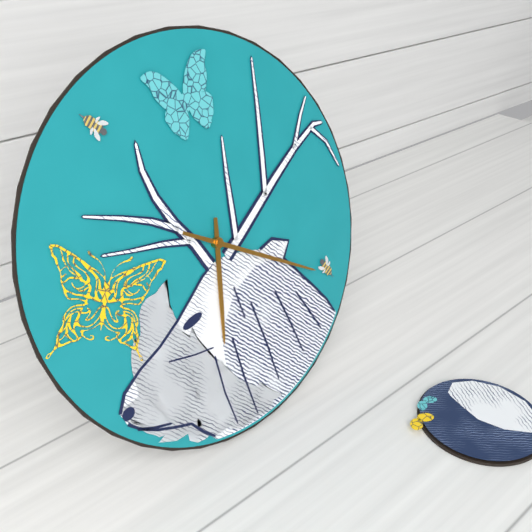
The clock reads 6:20
